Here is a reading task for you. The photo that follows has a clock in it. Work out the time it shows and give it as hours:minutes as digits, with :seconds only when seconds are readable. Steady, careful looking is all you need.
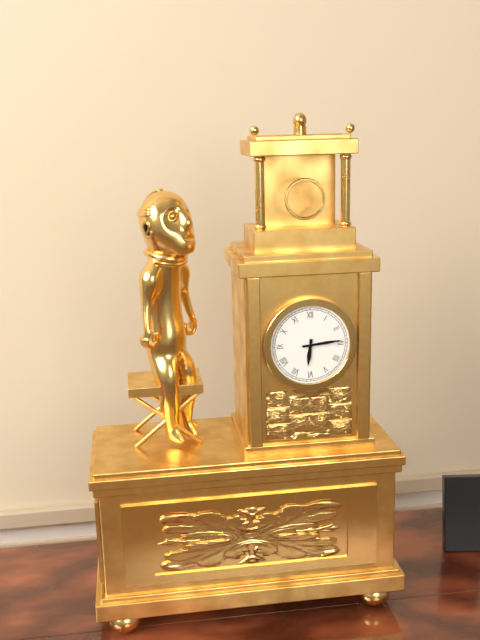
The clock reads 6:14
